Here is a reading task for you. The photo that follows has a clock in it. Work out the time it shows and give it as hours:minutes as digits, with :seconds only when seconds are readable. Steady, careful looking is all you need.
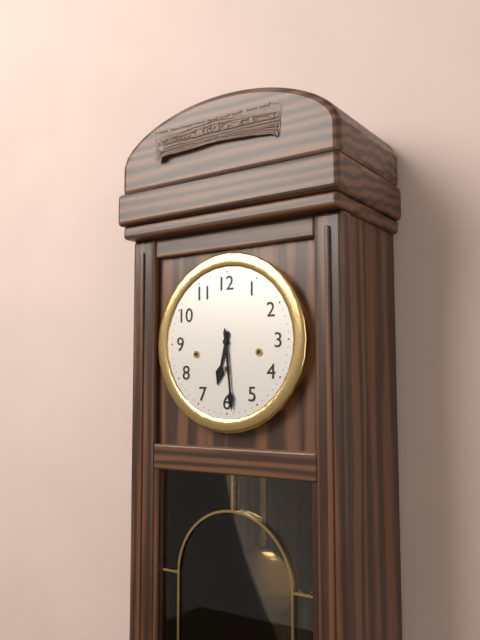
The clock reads 6:29
